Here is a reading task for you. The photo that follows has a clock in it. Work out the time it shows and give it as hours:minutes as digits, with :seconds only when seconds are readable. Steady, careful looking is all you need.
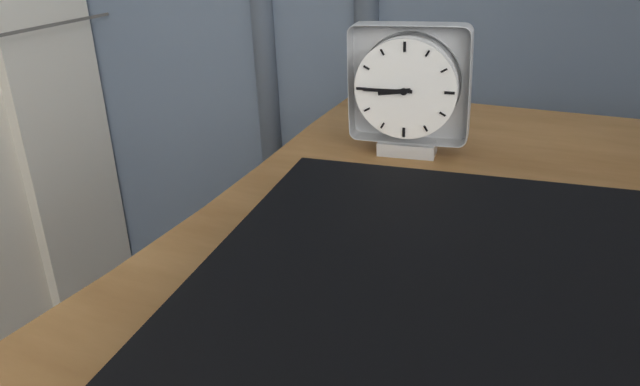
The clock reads 8:45
